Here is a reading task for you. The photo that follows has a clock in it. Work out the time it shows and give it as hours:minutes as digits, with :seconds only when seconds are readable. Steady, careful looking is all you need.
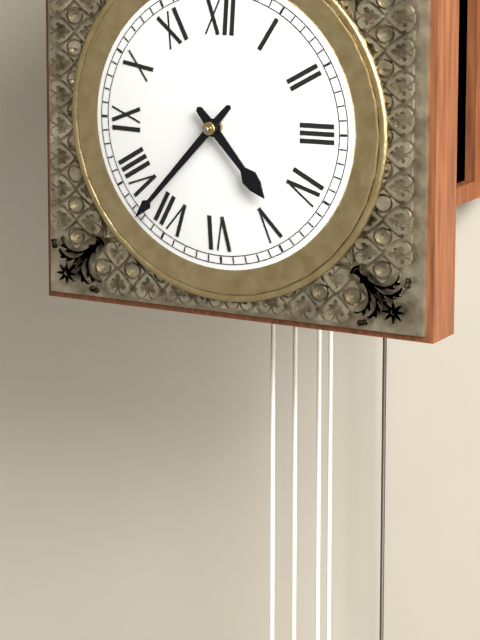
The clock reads 4:37
